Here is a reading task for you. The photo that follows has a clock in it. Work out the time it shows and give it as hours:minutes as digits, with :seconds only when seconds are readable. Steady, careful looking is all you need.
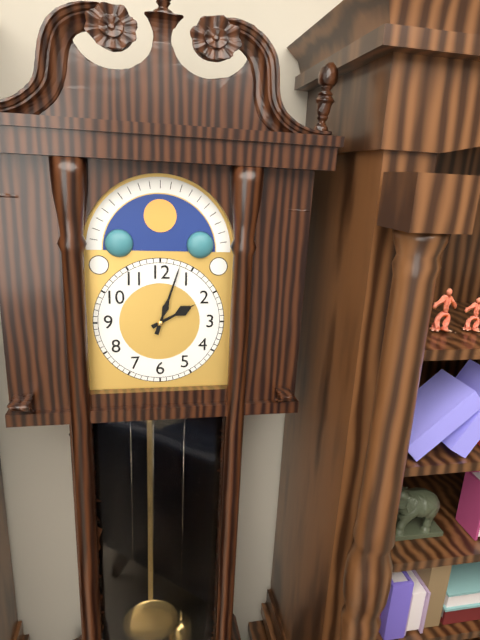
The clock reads 2:03
